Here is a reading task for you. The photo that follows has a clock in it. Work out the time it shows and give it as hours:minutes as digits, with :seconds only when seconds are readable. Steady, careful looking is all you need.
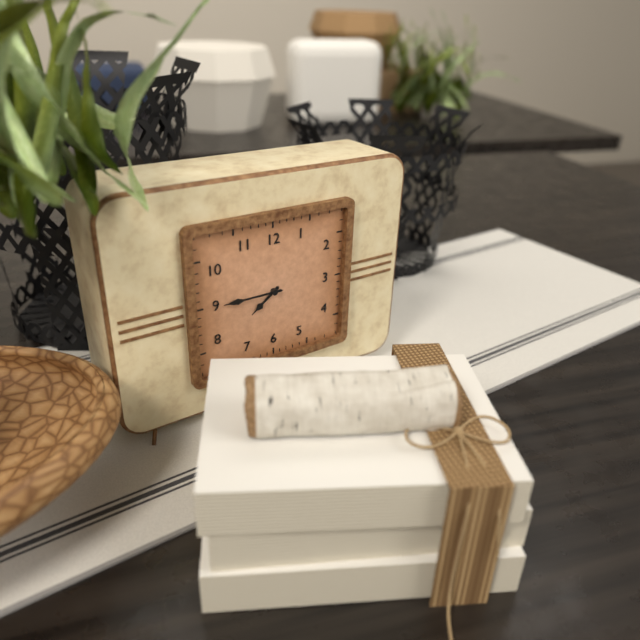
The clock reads 7:45
